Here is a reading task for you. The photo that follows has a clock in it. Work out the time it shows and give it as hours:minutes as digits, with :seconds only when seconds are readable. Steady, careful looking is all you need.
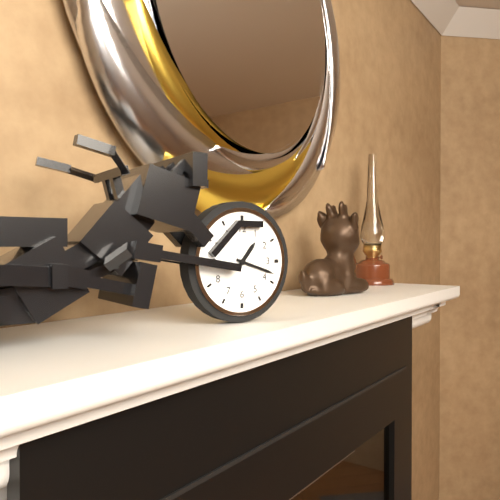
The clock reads 1:18
